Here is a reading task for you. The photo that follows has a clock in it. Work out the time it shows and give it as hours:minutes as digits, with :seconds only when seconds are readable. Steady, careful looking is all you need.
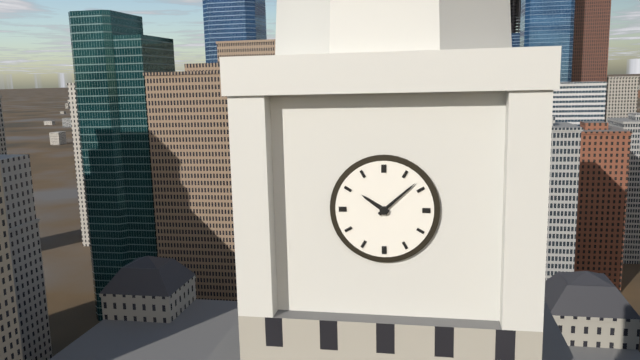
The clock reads 10:08
